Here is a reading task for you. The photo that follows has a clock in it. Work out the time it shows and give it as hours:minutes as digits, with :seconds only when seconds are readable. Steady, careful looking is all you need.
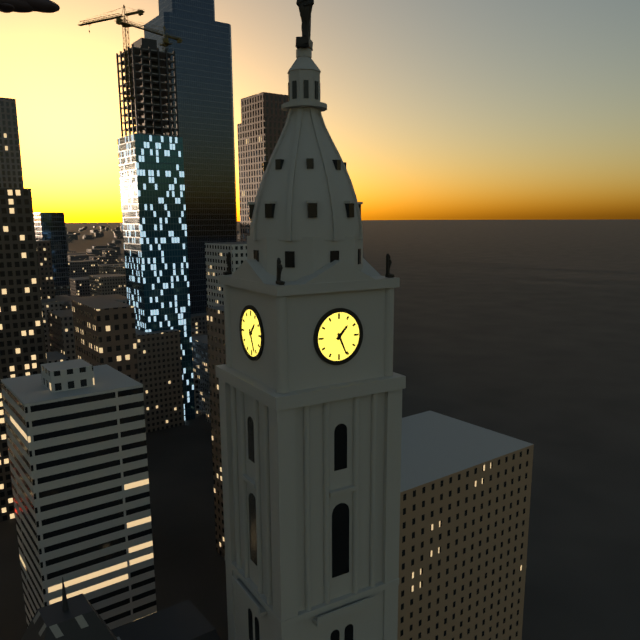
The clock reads 1:26
